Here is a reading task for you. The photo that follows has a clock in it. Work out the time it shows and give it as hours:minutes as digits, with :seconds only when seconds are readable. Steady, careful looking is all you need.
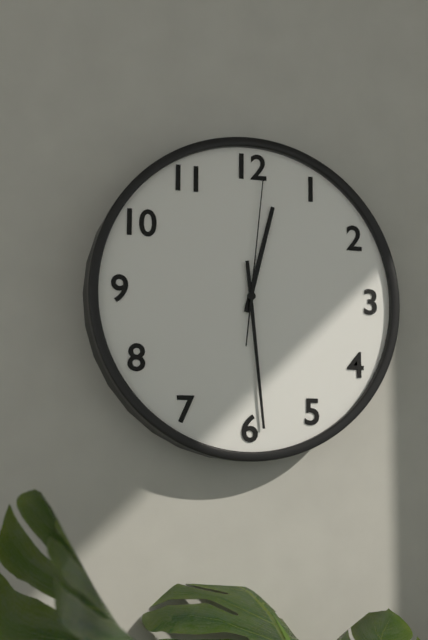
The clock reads 12:29:01
